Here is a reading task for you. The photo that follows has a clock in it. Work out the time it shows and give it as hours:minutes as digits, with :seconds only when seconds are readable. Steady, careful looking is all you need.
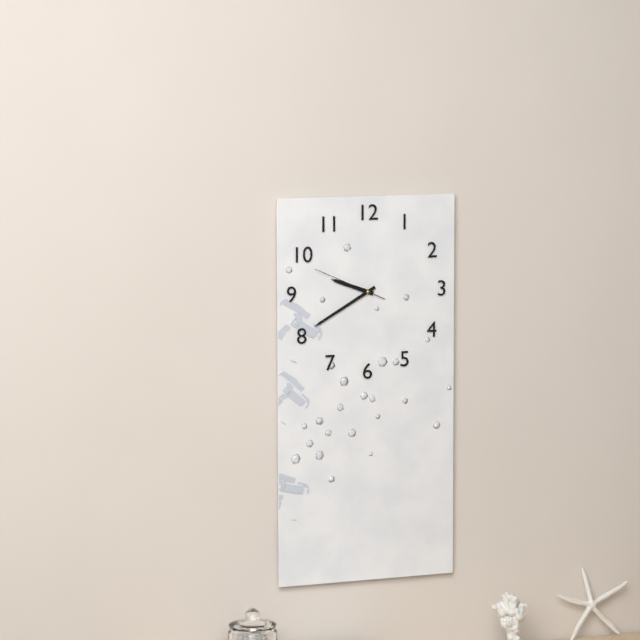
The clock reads 9:40:49
